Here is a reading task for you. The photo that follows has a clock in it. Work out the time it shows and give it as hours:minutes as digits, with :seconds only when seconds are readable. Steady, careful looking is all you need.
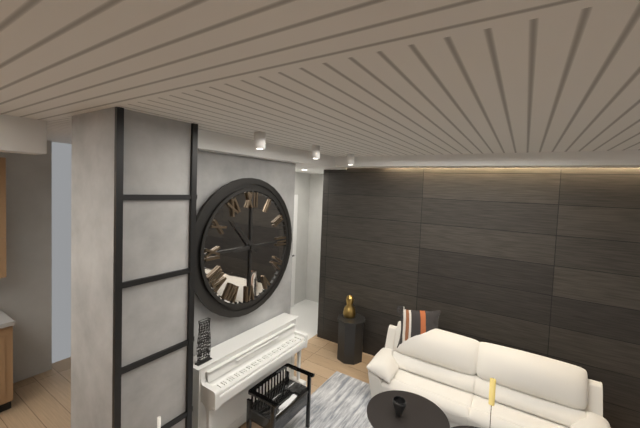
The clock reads 8:53
